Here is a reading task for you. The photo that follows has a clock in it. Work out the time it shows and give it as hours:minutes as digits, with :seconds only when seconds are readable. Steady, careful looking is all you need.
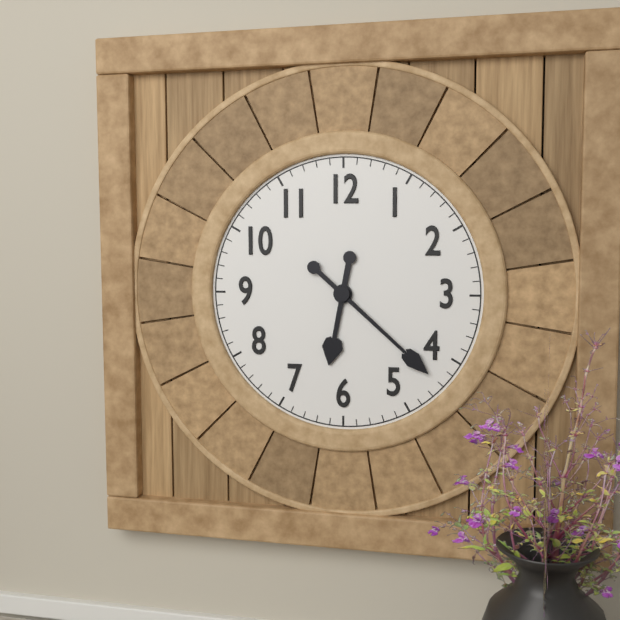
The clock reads 6:22
